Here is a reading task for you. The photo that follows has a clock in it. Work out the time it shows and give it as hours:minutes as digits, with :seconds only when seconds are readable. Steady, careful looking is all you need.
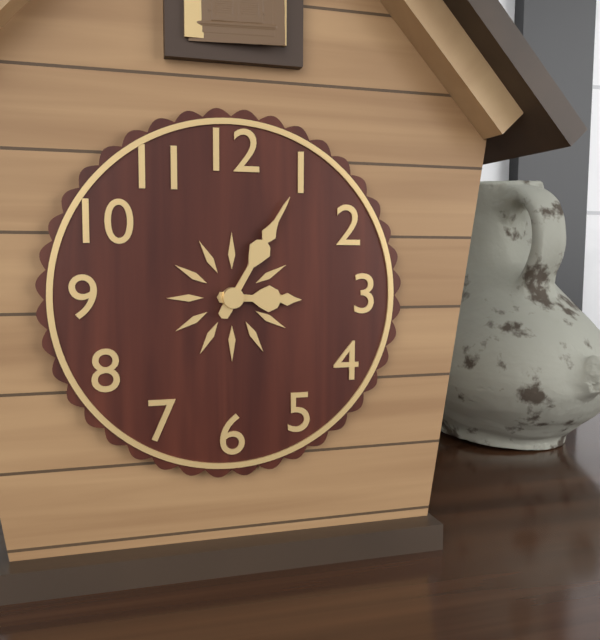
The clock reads 3:05
